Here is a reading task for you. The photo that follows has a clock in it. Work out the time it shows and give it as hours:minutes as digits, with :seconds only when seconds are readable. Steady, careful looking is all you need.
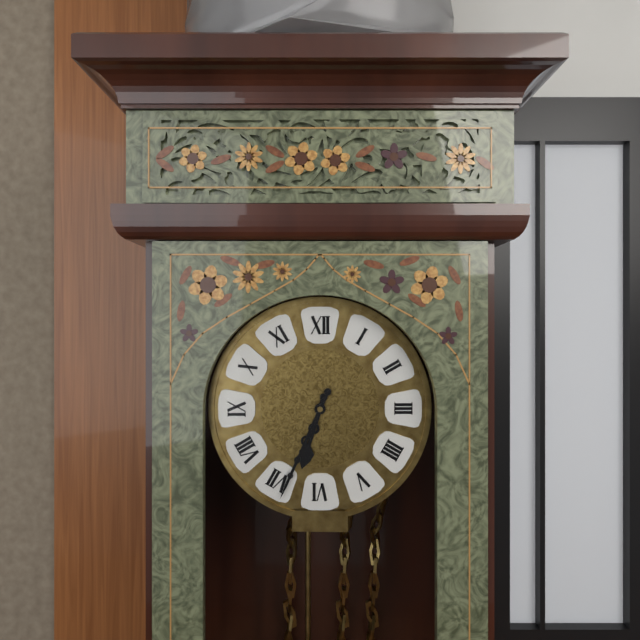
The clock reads 6:34
